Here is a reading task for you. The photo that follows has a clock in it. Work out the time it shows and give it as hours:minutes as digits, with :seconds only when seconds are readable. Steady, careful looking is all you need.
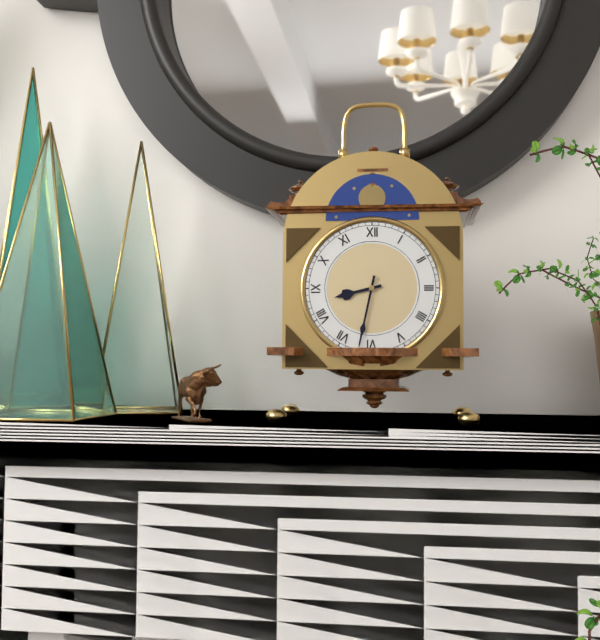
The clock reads 8:32
